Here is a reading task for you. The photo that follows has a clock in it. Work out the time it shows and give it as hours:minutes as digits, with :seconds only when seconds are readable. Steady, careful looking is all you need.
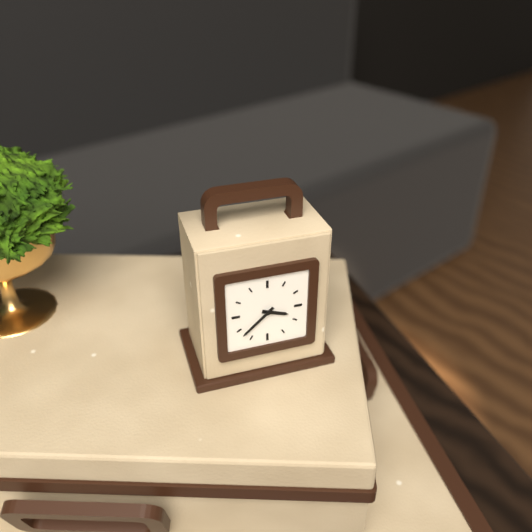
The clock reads 3:38
